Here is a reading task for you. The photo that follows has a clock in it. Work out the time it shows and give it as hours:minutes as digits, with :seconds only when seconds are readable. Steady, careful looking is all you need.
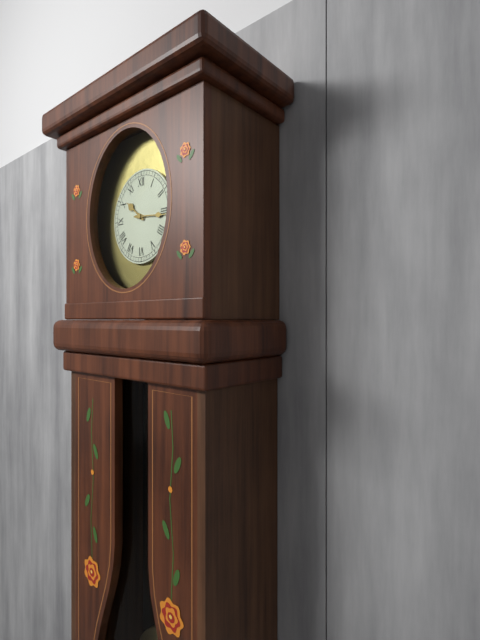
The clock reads 10:16
